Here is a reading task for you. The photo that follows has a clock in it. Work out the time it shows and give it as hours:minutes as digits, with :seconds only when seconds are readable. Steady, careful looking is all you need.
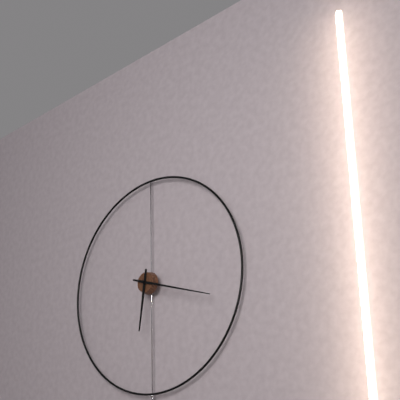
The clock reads 6:18
